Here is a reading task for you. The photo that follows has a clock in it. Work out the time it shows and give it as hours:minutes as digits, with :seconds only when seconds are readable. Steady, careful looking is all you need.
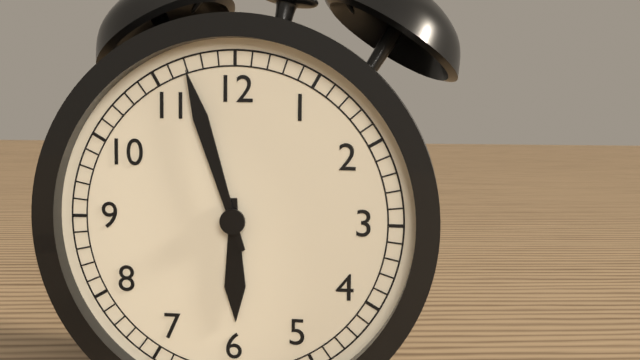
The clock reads 5:57
